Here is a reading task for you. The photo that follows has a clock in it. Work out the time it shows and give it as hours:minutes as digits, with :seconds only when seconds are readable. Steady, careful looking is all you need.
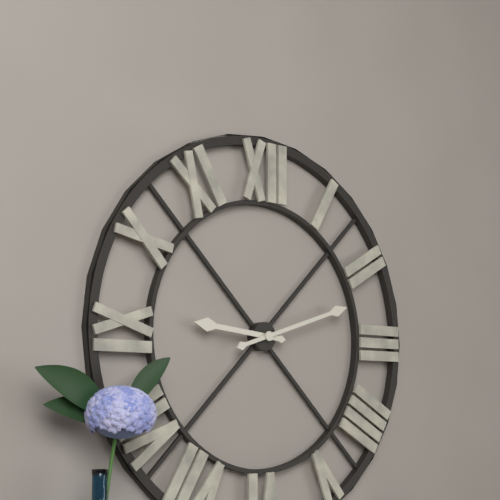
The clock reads 9:12
